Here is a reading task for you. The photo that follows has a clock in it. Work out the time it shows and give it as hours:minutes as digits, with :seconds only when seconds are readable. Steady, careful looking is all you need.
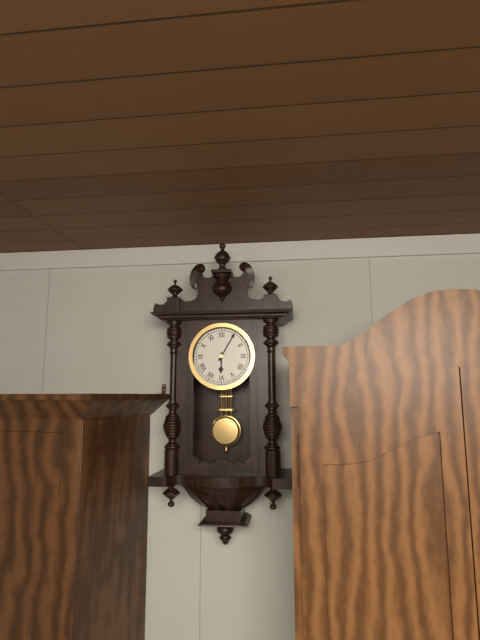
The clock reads 6:05
